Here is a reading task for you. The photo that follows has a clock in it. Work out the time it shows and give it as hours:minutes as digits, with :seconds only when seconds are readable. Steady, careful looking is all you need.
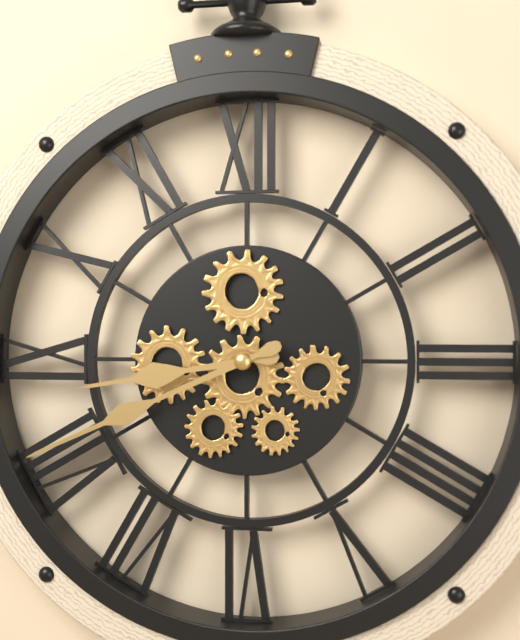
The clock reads 8:41
